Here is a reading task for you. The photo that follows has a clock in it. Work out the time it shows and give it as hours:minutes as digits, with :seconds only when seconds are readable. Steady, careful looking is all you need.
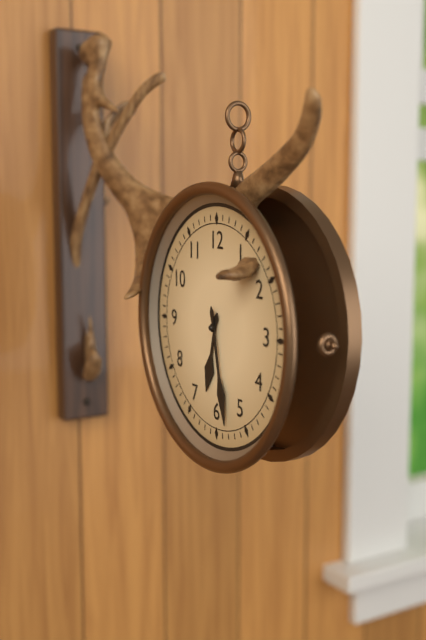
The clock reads 6:28
